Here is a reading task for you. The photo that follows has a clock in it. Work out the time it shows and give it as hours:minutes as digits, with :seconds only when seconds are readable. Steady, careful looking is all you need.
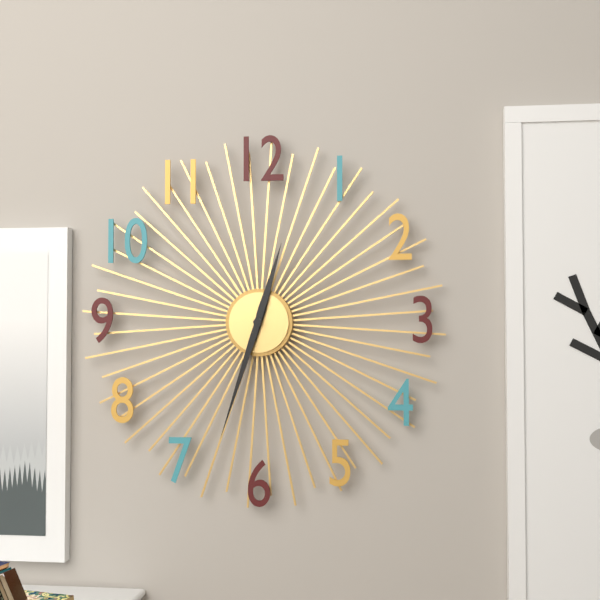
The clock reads 12:33
